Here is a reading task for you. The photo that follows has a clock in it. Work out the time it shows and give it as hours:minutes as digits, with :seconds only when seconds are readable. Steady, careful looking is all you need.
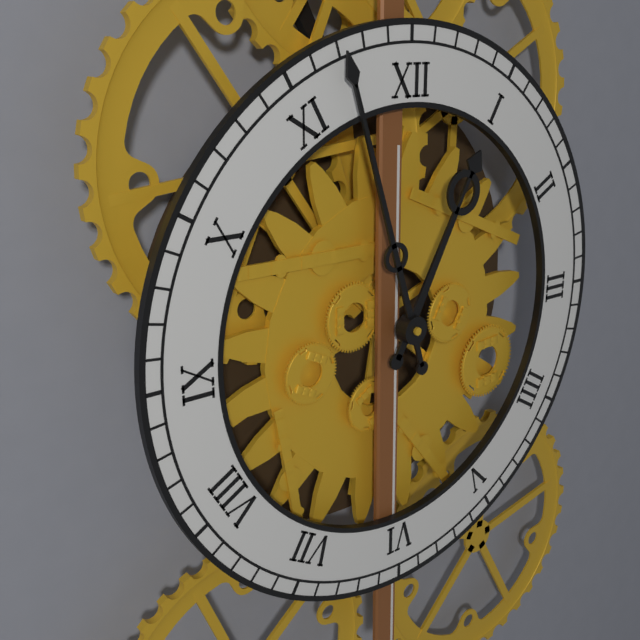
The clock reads 12:57
